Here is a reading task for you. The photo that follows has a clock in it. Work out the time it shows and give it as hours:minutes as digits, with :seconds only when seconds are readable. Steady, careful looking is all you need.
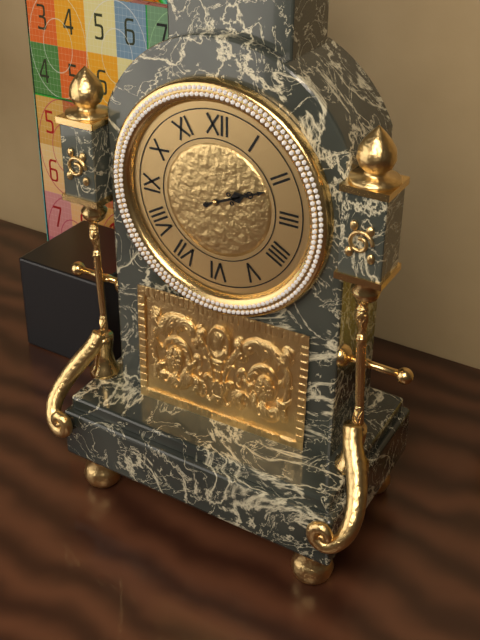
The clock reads 2:11
